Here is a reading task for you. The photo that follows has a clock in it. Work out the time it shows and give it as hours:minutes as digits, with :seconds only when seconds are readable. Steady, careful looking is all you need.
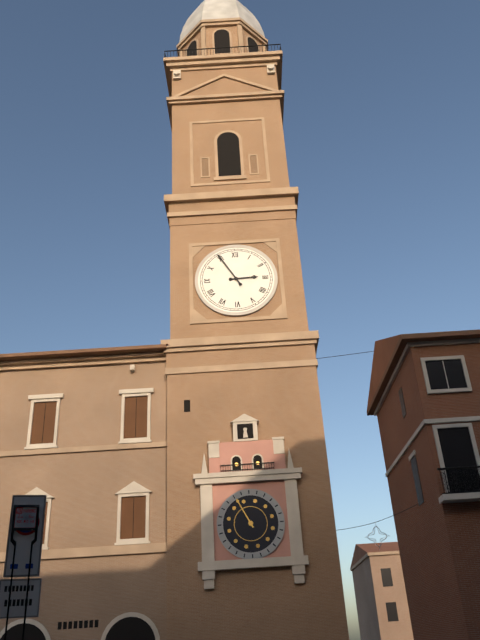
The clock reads 2:55
